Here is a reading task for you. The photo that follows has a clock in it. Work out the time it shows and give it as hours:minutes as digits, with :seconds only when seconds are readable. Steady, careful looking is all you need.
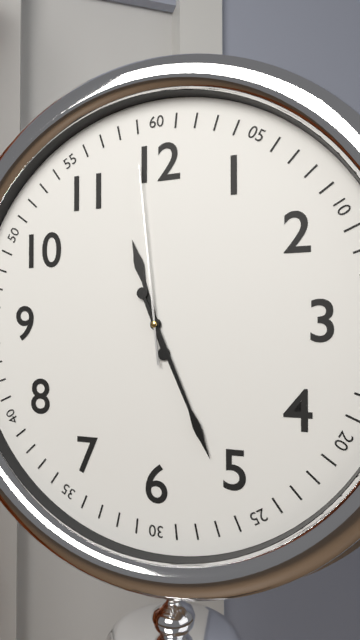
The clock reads 11:26:59
